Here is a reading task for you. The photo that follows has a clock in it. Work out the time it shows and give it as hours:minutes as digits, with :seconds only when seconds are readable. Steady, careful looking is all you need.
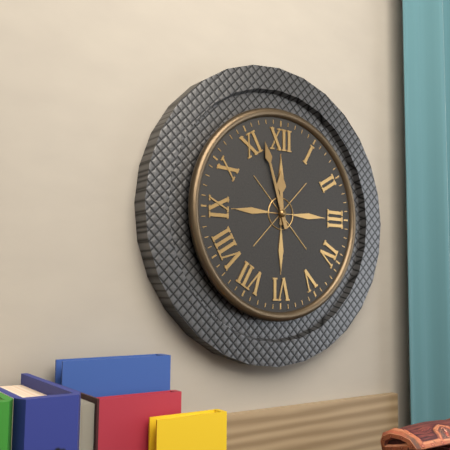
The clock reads 11:57
